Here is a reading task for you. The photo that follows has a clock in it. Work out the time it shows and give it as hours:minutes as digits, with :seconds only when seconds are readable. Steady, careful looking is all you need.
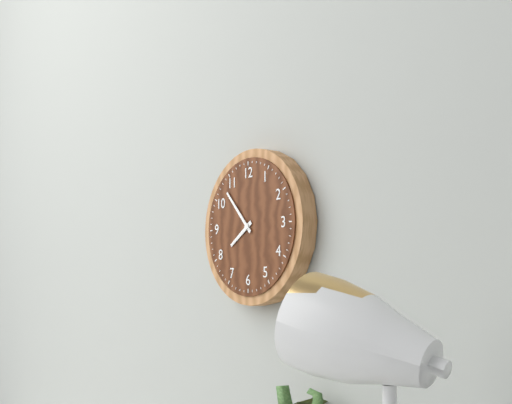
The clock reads 7:53
